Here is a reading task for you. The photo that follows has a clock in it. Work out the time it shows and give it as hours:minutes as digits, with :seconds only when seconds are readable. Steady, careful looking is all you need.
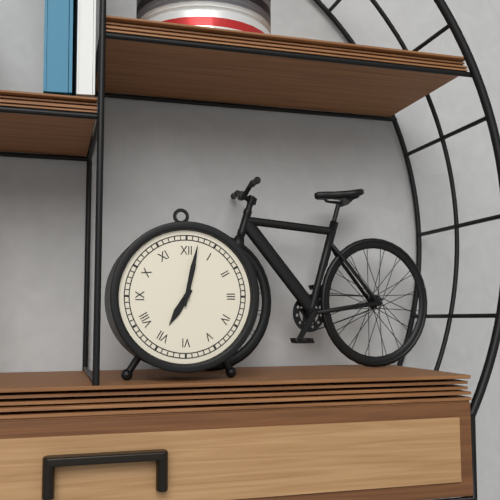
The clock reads 7:02
